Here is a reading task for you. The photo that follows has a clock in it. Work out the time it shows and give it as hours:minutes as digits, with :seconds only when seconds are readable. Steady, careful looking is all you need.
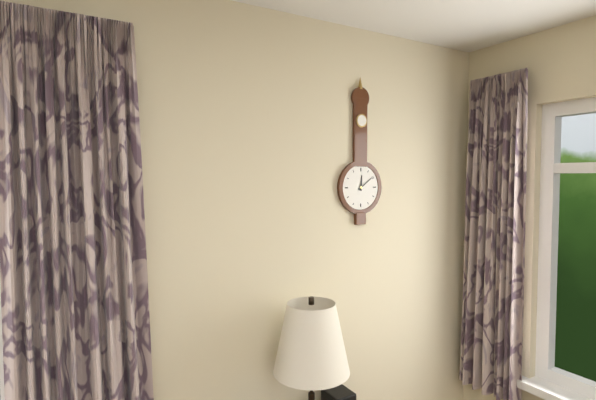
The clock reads 12:09
